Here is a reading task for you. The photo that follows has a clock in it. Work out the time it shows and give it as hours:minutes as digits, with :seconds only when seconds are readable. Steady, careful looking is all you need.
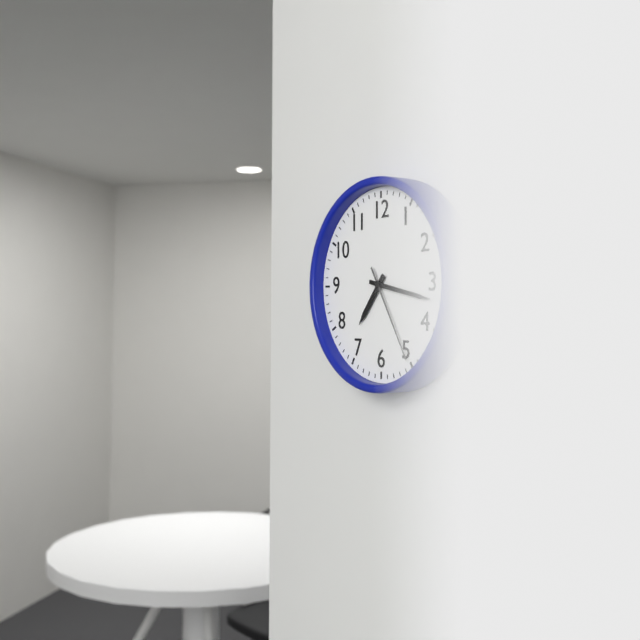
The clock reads 7:17:25
